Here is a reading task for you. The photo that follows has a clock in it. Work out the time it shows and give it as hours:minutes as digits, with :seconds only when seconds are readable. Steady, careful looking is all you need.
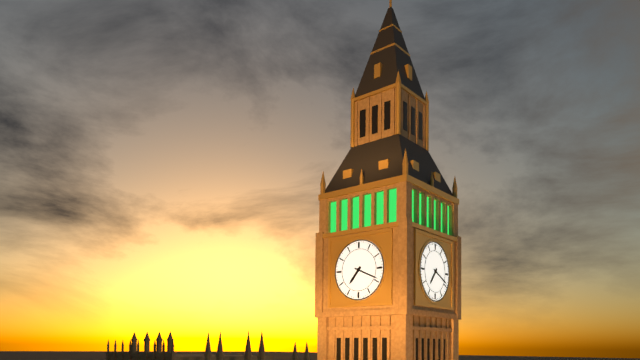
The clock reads 7:19
